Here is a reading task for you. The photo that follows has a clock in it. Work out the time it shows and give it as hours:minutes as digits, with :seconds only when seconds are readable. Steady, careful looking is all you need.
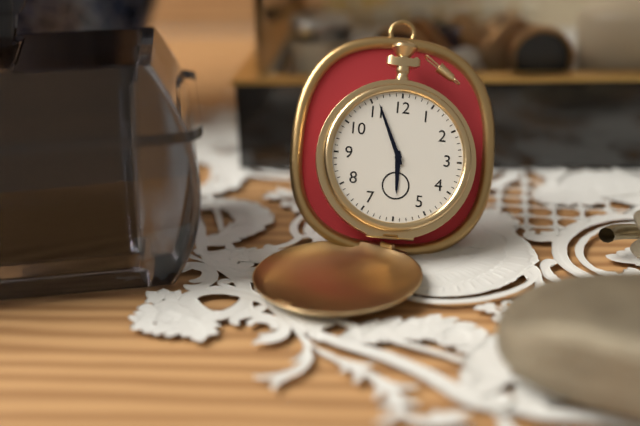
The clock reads 5:56
